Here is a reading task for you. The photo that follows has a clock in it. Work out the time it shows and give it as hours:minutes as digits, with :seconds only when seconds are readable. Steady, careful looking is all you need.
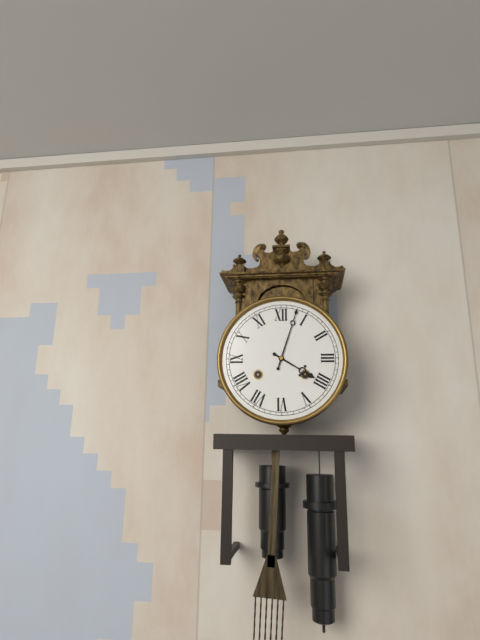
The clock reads 4:03
